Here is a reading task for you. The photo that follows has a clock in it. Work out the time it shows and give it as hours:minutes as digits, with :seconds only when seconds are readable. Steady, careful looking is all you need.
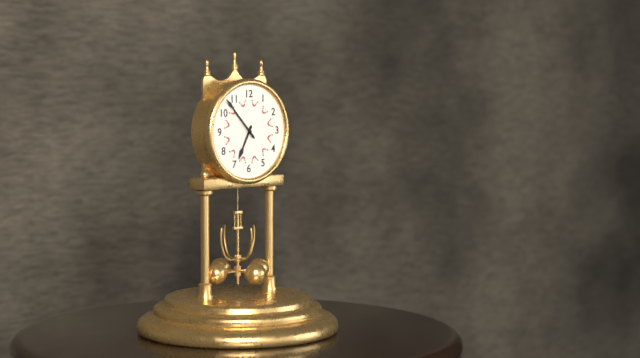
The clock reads 6:53
